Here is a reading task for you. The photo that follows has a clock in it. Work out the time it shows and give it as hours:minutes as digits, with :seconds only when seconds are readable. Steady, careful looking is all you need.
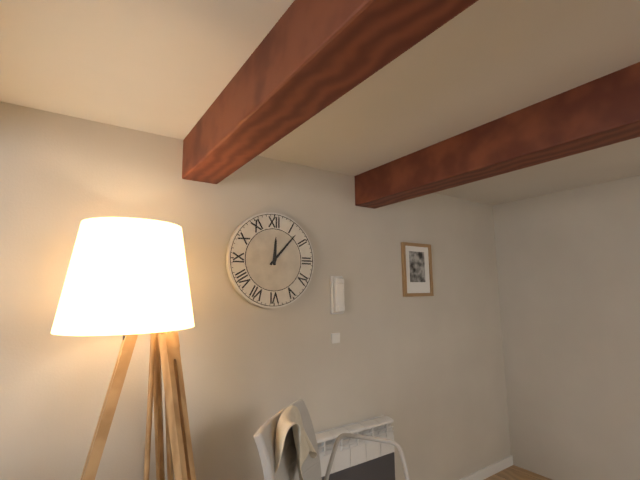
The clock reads 12:07
